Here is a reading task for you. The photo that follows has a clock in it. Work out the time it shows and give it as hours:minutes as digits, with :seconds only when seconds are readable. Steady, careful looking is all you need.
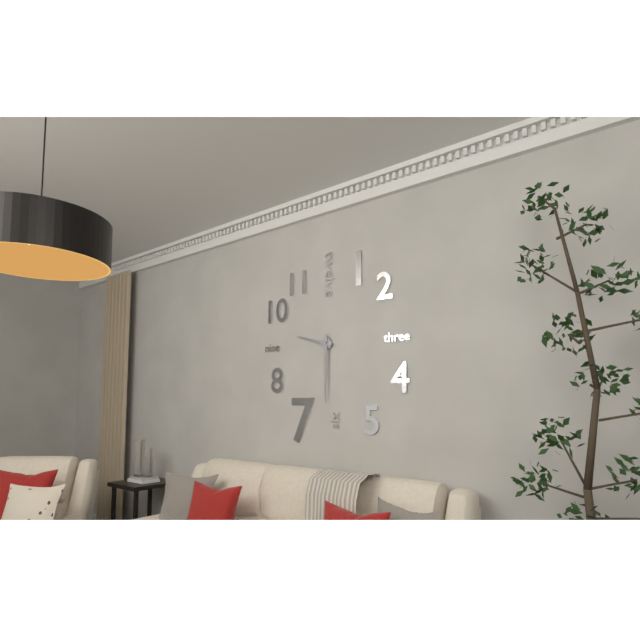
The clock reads 9:30
